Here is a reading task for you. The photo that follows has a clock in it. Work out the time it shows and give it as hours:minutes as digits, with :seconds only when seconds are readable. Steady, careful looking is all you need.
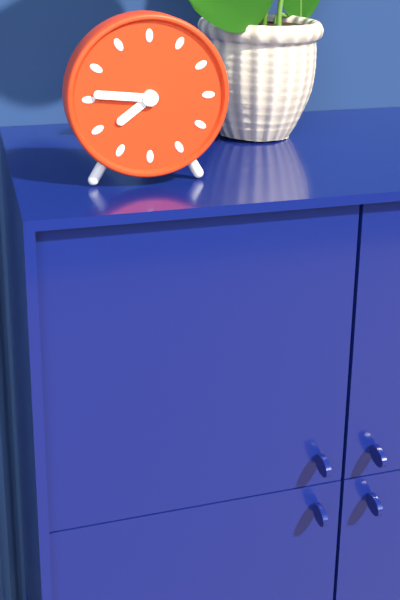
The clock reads 7:46
